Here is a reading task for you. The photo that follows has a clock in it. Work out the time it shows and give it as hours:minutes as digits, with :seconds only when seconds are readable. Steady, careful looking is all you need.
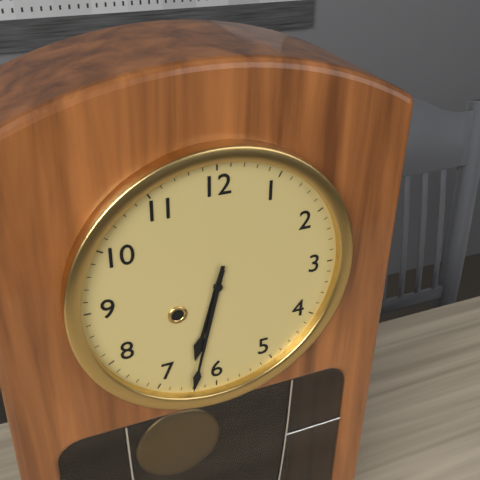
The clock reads 6:32
